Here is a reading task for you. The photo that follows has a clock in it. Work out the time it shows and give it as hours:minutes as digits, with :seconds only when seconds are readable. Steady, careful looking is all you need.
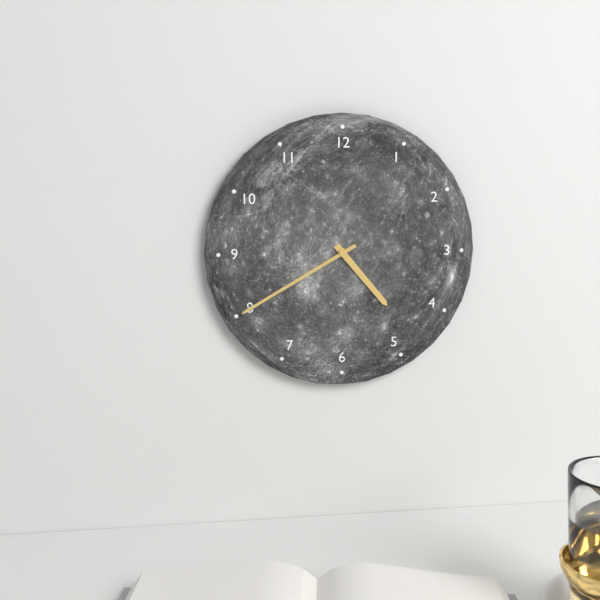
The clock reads 4:40
